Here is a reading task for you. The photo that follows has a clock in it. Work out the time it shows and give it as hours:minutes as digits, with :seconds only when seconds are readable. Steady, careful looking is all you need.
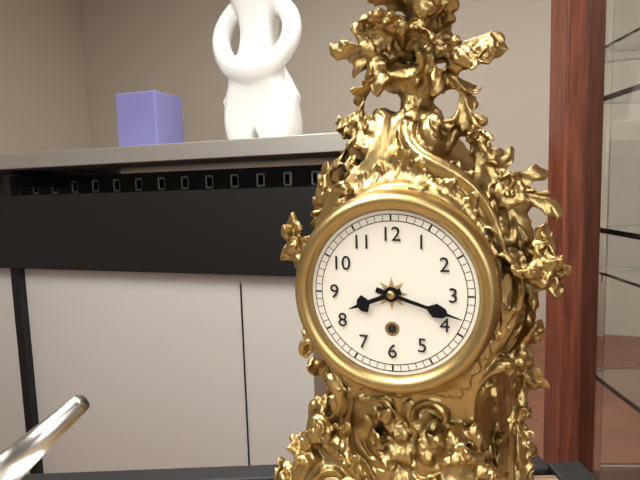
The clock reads 8:18
